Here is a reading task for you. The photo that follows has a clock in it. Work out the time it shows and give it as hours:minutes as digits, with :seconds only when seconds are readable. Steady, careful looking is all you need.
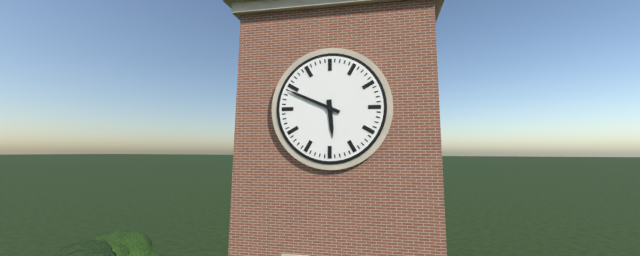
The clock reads 5:49
